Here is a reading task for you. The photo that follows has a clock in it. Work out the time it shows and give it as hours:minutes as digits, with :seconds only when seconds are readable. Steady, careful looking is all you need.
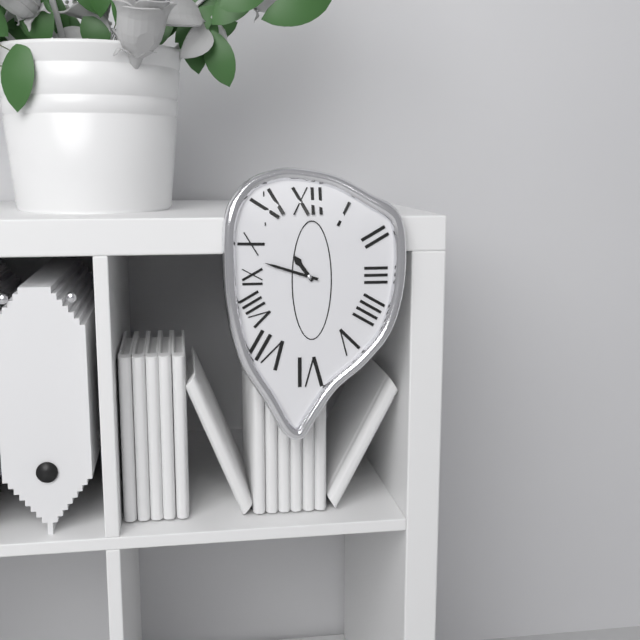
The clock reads 10:48
